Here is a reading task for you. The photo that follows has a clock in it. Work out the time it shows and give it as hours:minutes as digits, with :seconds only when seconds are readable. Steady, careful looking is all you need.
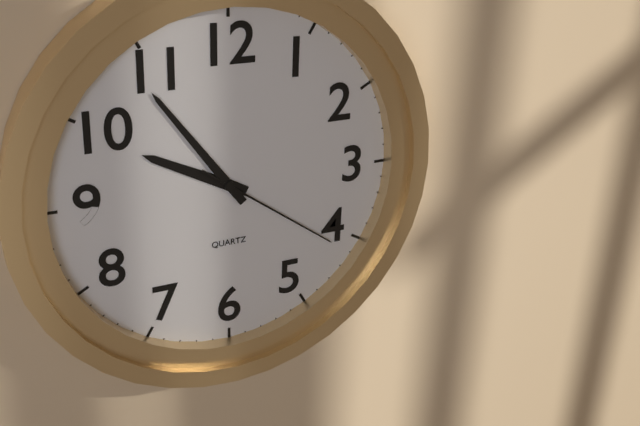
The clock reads 9:54:21
